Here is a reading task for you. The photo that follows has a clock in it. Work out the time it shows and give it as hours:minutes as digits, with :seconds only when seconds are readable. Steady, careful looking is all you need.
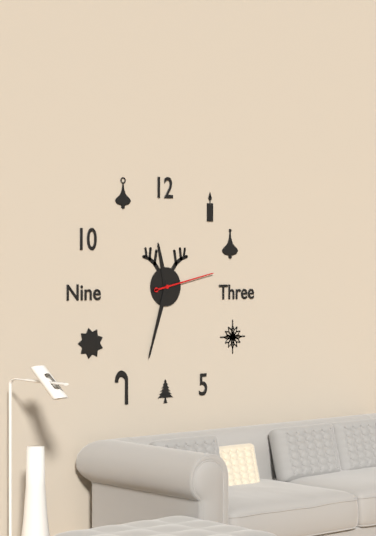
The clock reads 11:33:13
